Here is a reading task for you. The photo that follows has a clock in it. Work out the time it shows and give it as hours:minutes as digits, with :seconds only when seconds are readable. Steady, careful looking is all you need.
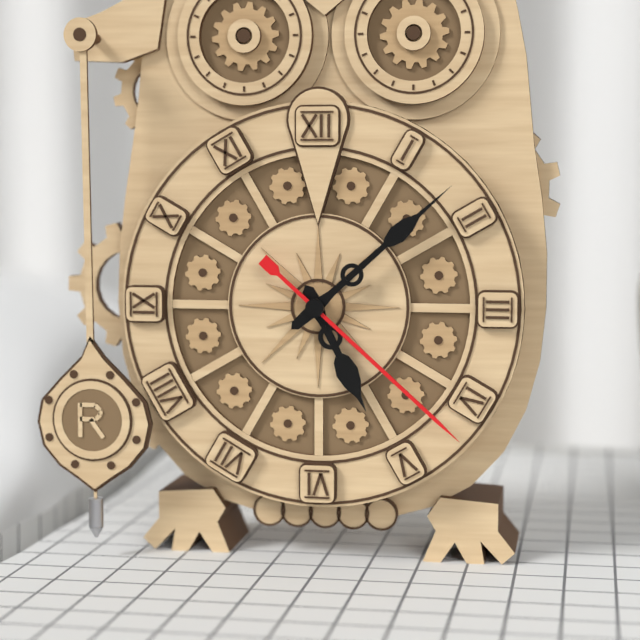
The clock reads 5:08:22
